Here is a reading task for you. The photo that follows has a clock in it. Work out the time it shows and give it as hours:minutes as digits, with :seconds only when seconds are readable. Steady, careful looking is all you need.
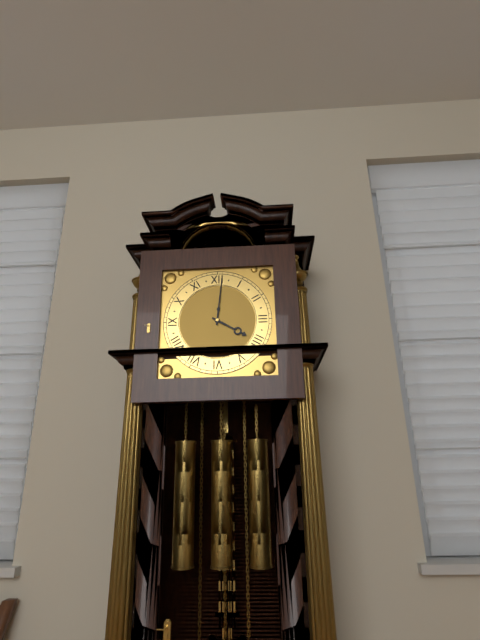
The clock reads 4:01
